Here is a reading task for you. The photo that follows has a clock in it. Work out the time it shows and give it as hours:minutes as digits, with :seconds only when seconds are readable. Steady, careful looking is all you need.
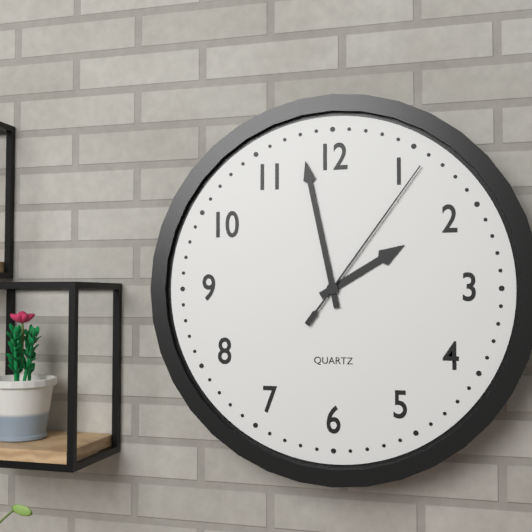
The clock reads 1:58:06
